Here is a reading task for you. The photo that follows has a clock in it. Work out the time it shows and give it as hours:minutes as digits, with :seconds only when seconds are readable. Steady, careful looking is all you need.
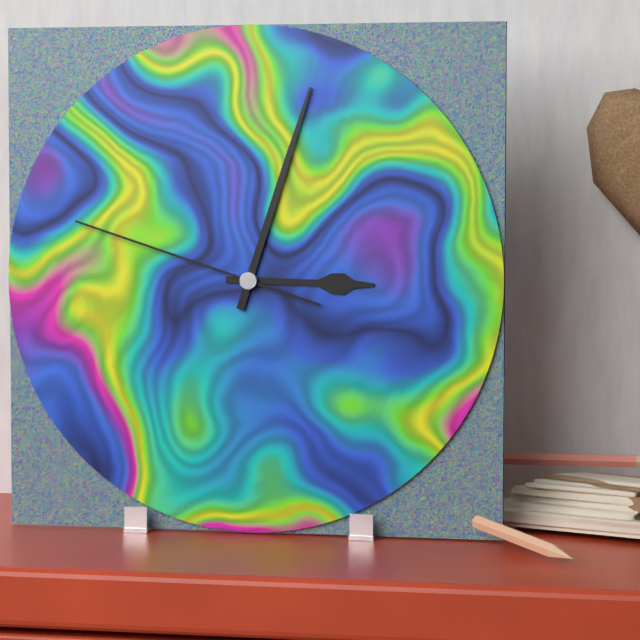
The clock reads 3:03:48
